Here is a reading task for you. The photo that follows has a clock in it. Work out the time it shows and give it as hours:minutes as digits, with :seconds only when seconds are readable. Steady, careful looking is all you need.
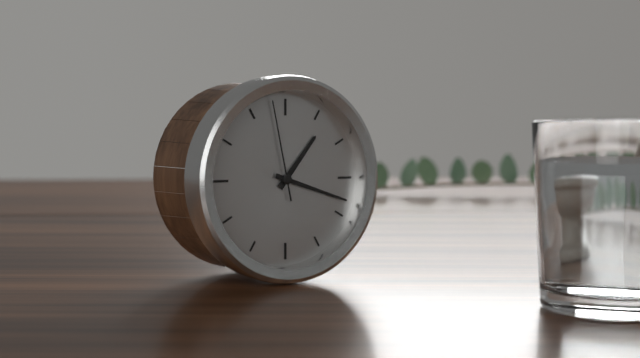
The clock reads 1:18:58
